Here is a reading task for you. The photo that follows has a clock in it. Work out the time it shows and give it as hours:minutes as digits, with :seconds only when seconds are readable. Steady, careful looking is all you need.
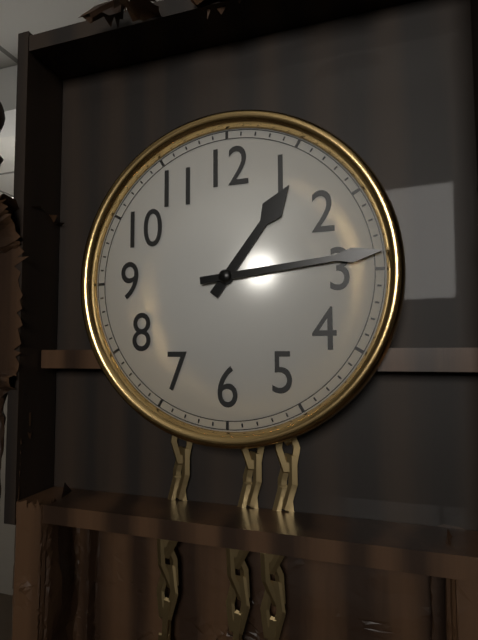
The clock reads 1:14
